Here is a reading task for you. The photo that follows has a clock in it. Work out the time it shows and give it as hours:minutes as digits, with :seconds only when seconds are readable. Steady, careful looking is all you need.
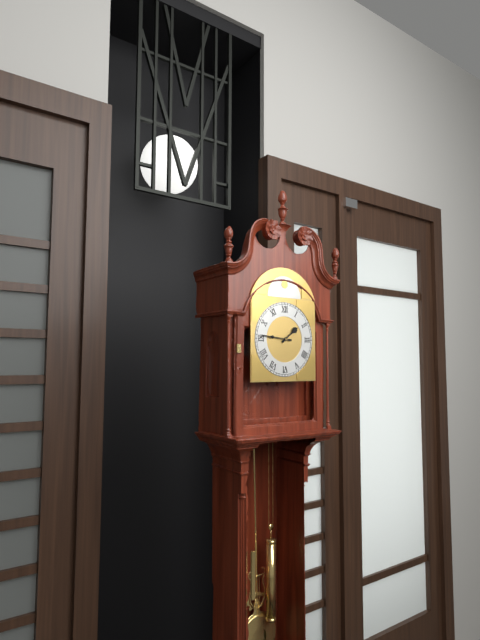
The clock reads 1:46
